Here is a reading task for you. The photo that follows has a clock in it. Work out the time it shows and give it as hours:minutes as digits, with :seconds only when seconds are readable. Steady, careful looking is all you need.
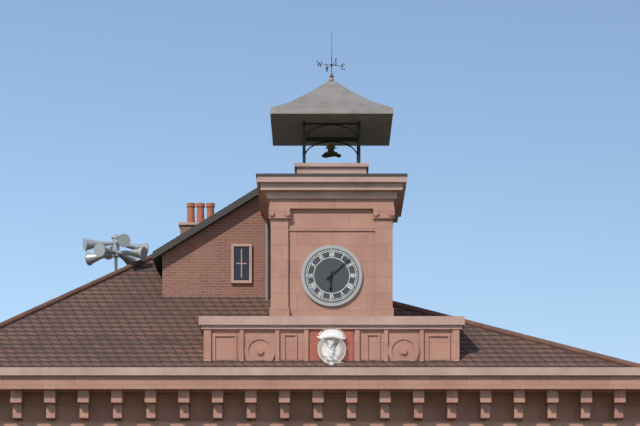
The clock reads 6:08
